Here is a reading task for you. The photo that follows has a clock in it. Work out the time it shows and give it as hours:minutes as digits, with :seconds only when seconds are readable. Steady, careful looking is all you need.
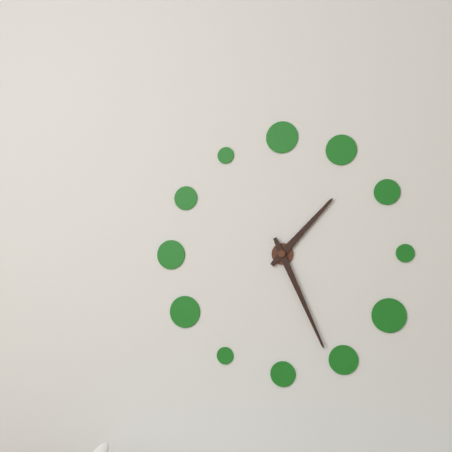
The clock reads 1:26
